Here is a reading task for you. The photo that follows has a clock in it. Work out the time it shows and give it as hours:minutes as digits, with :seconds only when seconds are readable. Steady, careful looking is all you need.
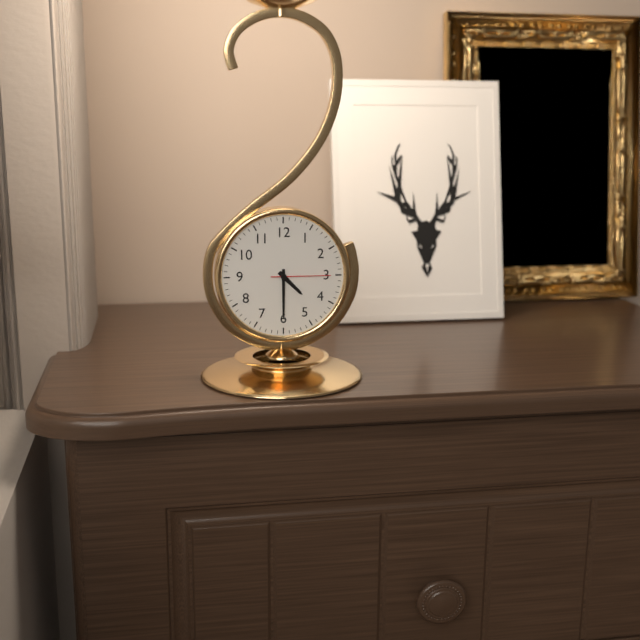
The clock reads 4:30:15
